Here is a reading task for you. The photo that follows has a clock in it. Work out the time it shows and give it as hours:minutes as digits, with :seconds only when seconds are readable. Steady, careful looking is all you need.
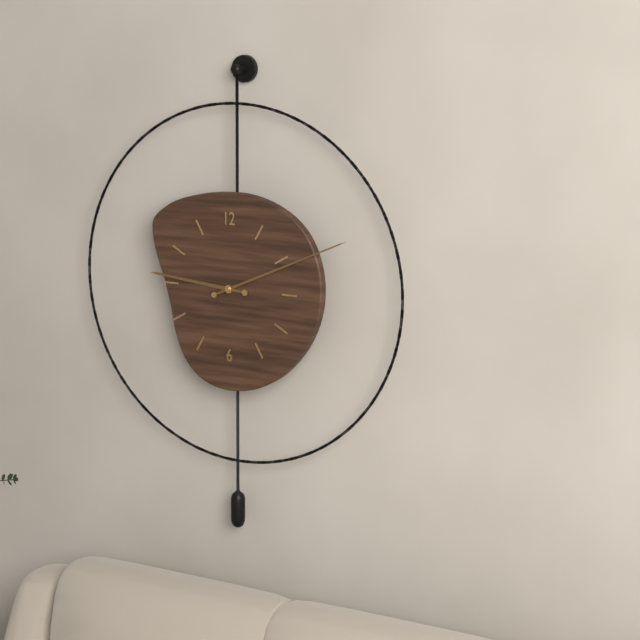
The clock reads 9:11
